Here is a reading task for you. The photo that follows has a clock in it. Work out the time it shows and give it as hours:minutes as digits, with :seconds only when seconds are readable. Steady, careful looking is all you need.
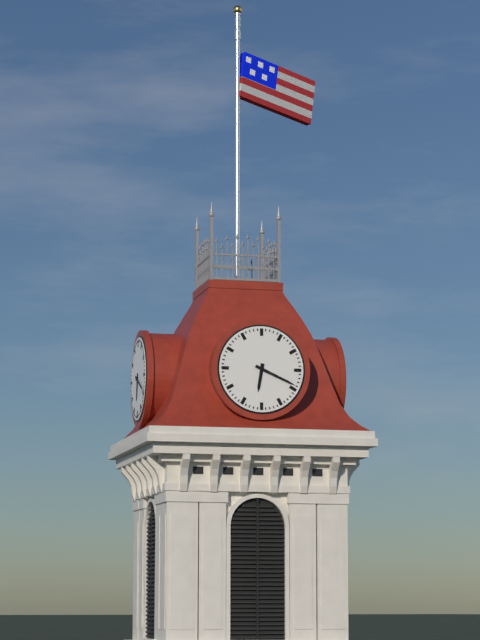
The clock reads 6:19
